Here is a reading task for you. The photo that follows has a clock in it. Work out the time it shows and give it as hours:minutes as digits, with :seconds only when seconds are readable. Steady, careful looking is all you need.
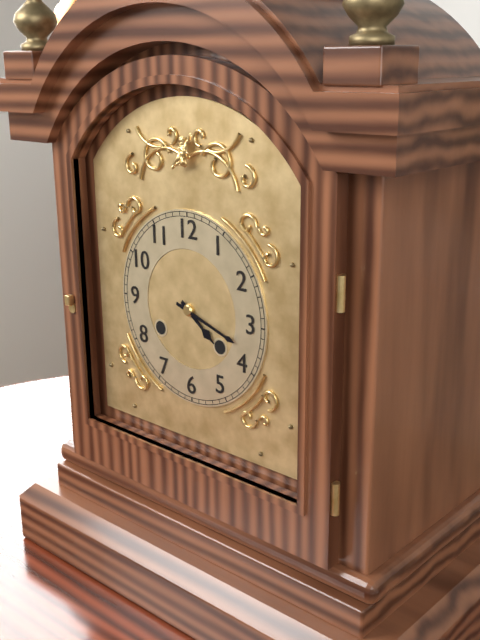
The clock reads 4:18
